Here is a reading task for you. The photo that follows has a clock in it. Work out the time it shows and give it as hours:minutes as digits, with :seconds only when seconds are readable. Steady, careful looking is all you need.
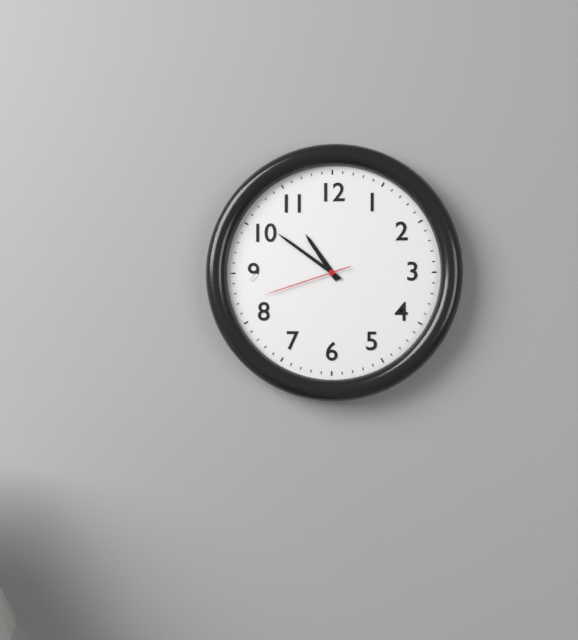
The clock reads 10:51:42
